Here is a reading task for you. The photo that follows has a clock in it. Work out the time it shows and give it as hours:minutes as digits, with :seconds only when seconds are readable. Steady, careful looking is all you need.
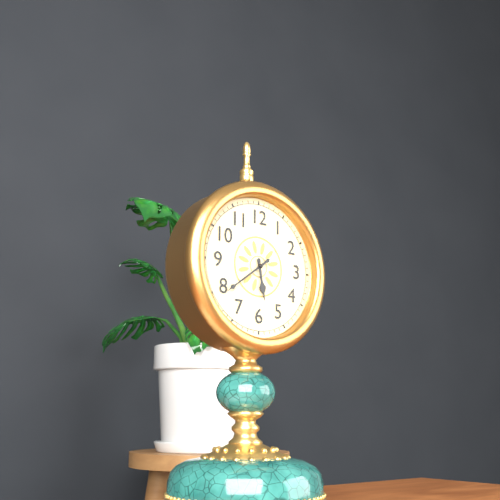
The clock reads 5:39
